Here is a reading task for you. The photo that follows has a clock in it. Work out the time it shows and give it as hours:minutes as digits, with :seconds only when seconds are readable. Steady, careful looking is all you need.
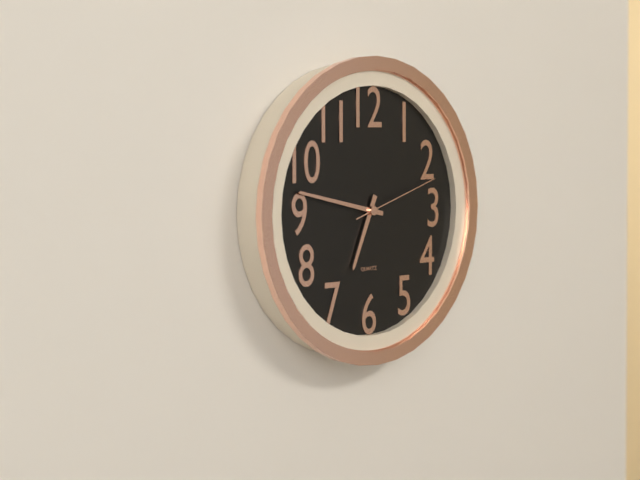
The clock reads 6:47:12
